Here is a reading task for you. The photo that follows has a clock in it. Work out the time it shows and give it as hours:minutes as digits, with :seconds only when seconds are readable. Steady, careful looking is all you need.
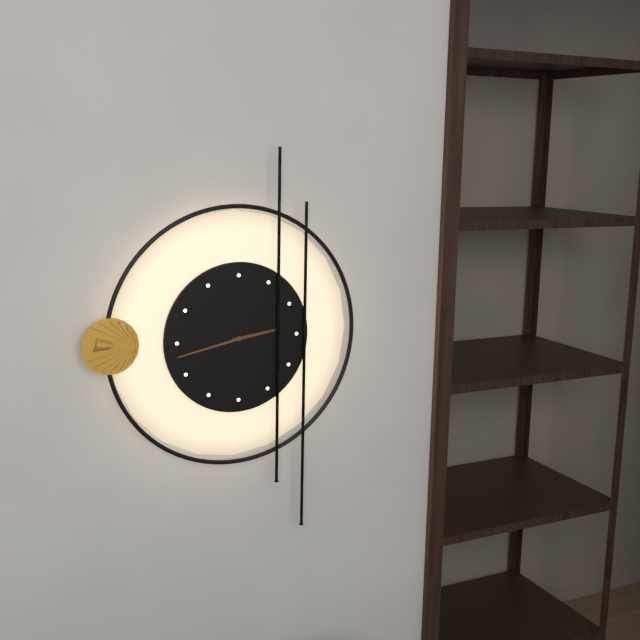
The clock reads 2:43
